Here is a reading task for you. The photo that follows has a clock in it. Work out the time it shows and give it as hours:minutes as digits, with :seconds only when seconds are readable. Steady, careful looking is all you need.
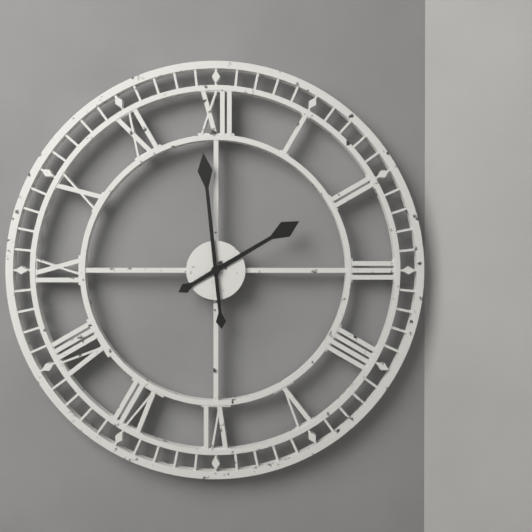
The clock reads 1:59
